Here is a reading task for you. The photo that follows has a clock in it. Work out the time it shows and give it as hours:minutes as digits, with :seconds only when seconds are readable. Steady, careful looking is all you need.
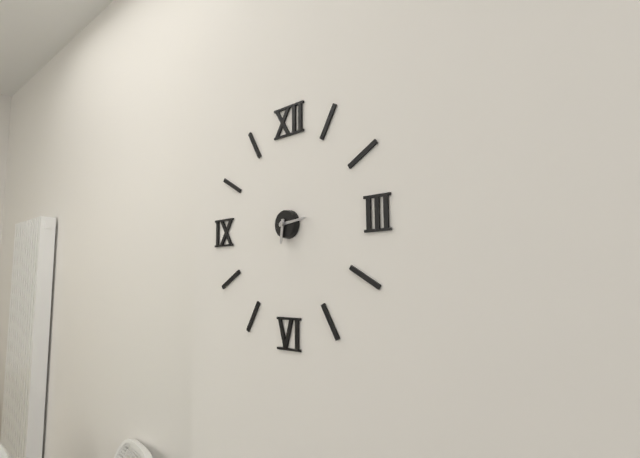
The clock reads 6:14
